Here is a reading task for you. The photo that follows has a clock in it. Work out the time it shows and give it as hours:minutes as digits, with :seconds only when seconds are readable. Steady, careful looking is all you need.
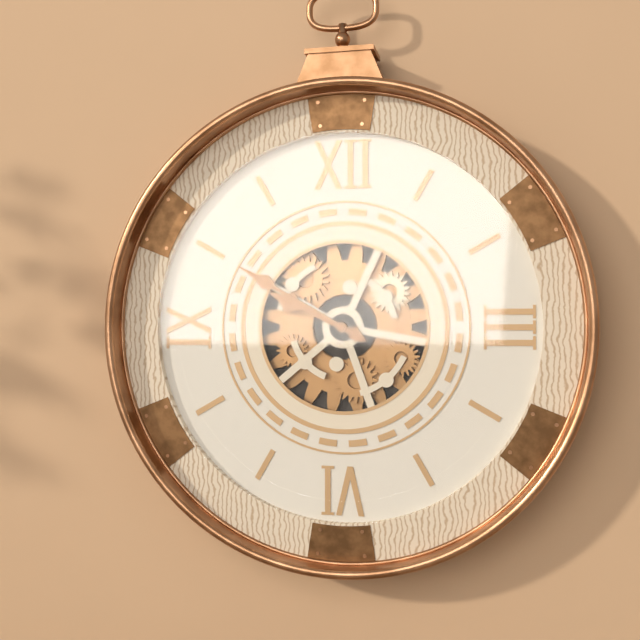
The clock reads 9:50
